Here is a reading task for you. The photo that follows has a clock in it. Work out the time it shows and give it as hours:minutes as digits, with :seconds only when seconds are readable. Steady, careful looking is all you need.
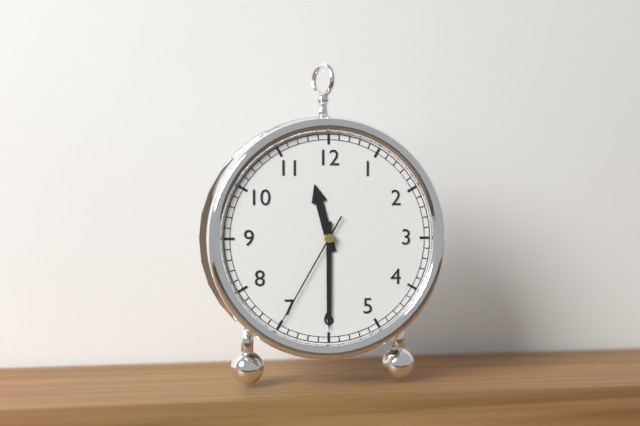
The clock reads 11:30:35
